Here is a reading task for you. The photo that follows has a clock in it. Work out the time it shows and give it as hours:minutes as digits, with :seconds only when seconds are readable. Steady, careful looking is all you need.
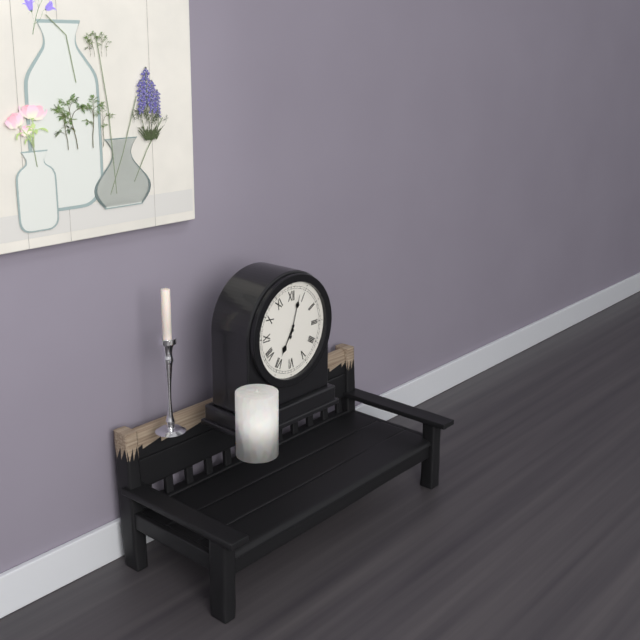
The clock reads 7:03
